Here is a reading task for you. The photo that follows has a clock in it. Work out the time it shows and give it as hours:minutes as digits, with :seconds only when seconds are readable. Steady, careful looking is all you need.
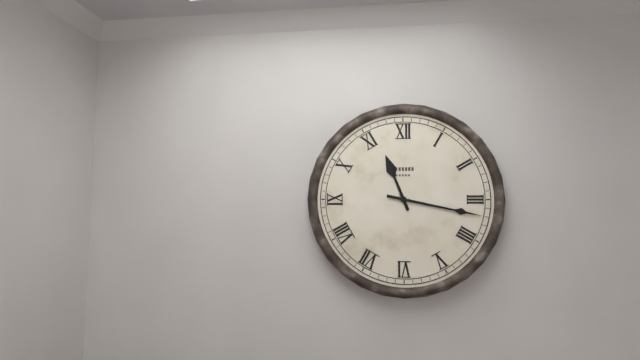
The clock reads 11:17
